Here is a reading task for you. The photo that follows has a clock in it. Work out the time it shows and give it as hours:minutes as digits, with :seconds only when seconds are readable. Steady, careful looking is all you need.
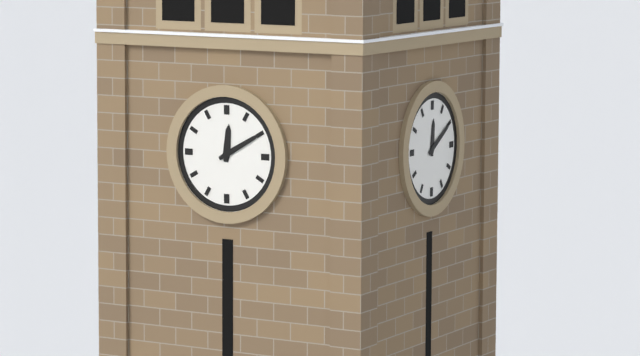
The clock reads 12:10
